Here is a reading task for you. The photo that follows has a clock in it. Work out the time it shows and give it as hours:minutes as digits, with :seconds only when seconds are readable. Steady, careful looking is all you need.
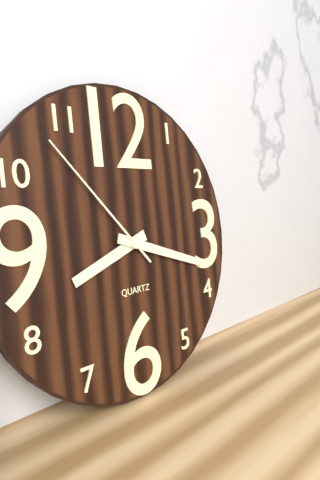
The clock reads 8:18:53
